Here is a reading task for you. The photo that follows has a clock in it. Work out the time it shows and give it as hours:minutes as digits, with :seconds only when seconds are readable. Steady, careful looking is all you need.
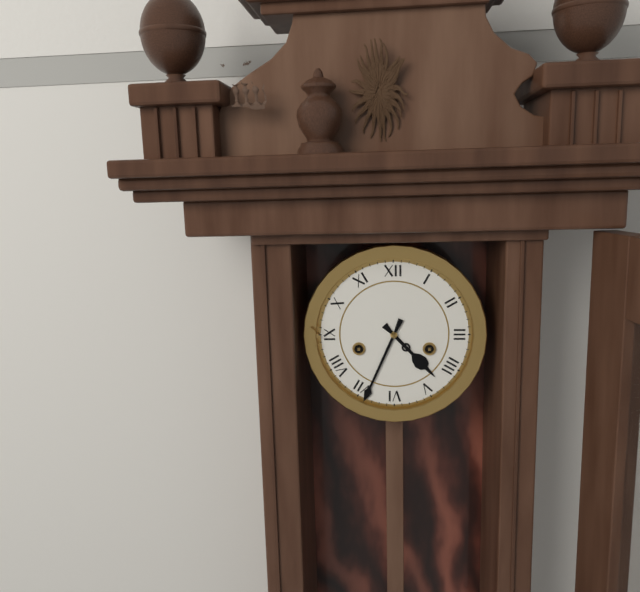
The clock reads 4:34
